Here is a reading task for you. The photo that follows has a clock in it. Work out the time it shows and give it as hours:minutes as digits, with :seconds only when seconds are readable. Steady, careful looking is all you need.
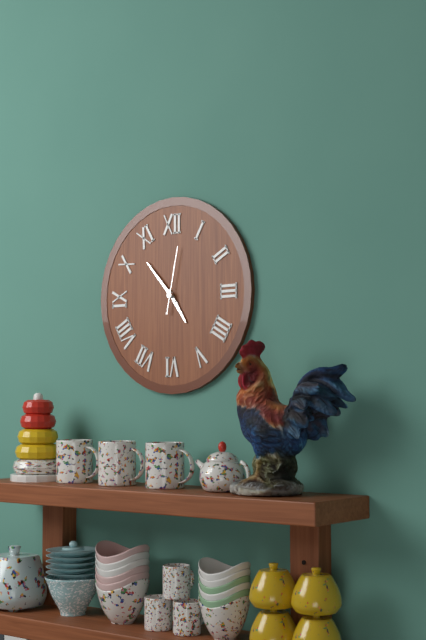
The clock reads 4:53:02
